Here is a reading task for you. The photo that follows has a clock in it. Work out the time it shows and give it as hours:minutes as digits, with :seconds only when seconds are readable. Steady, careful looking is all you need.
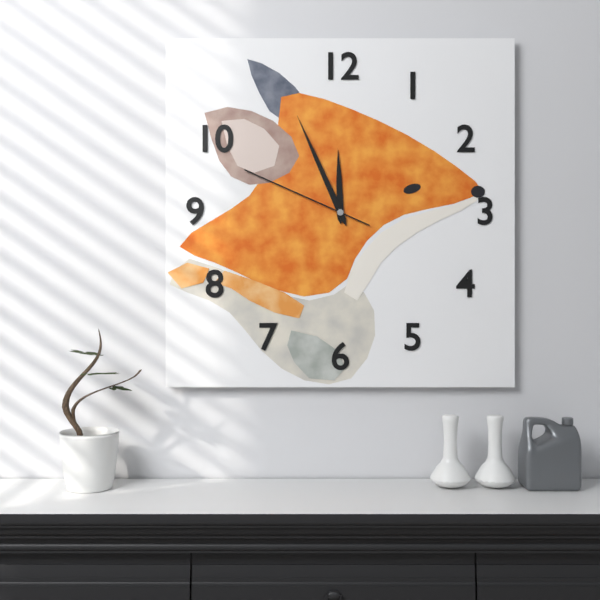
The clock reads 11:56:49
